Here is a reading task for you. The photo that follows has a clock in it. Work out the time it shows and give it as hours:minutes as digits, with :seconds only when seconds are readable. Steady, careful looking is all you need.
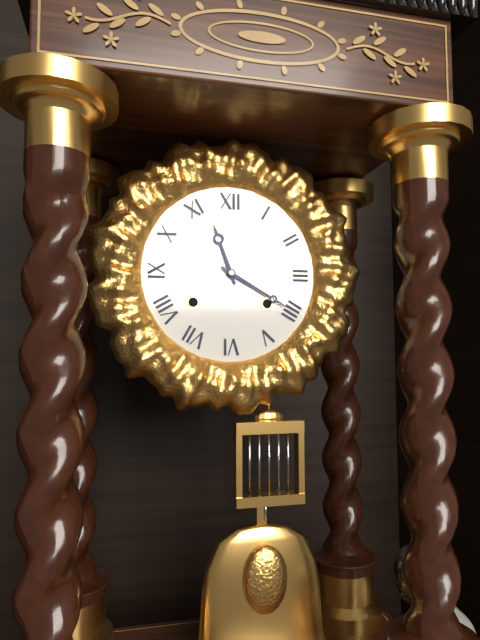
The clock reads 11:20
